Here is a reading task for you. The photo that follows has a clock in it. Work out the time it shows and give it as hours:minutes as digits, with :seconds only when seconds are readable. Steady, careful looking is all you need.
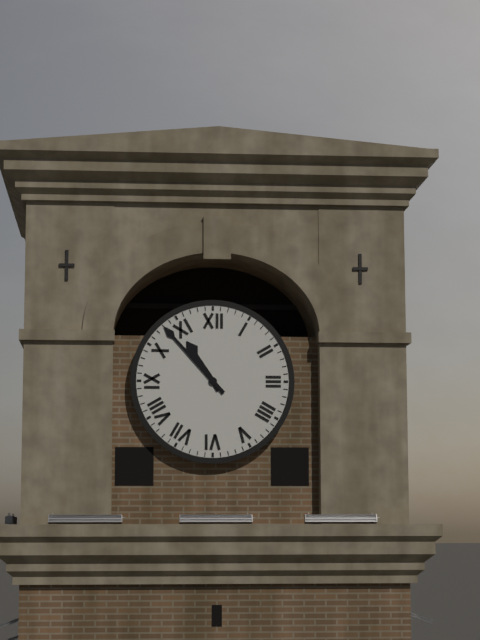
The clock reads 10:53
